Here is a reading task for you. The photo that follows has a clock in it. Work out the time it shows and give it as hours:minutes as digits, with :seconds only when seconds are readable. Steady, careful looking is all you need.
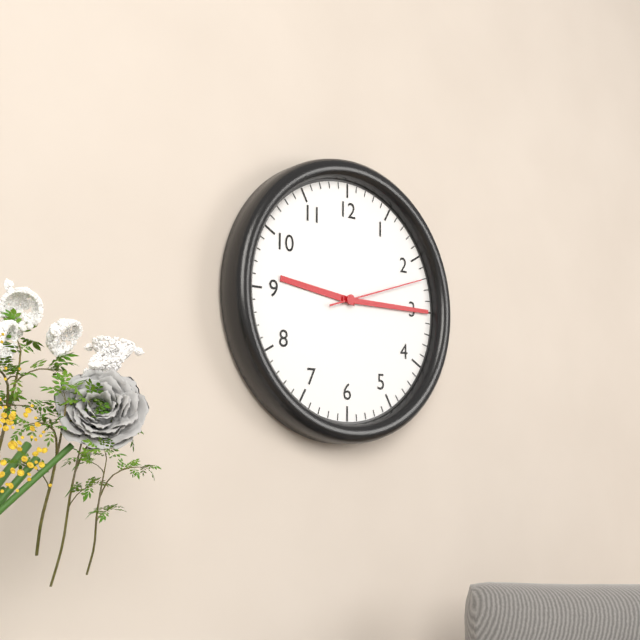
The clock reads 9:15:12
